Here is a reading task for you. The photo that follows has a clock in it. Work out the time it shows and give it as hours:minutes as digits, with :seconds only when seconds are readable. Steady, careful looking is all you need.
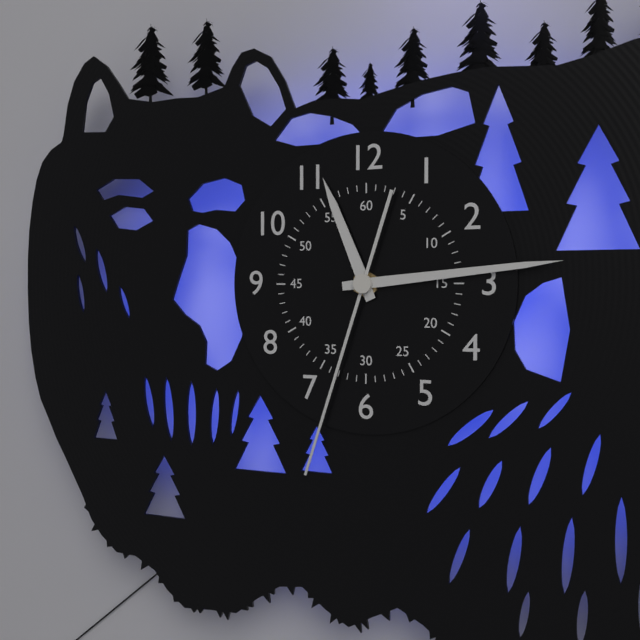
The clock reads 11:14:33
